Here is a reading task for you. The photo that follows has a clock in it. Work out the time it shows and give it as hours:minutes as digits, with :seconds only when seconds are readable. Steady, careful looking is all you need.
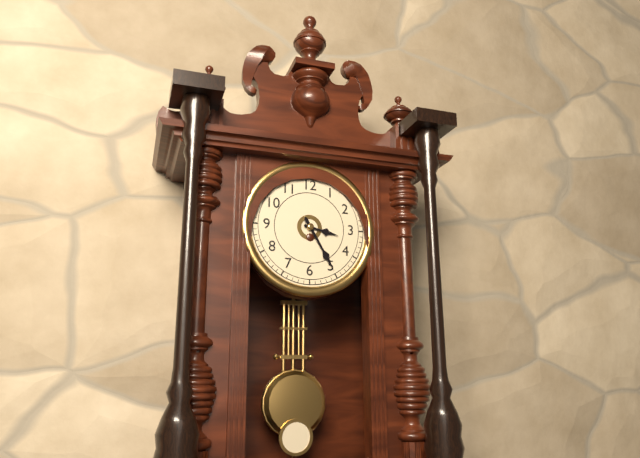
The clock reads 3:25
